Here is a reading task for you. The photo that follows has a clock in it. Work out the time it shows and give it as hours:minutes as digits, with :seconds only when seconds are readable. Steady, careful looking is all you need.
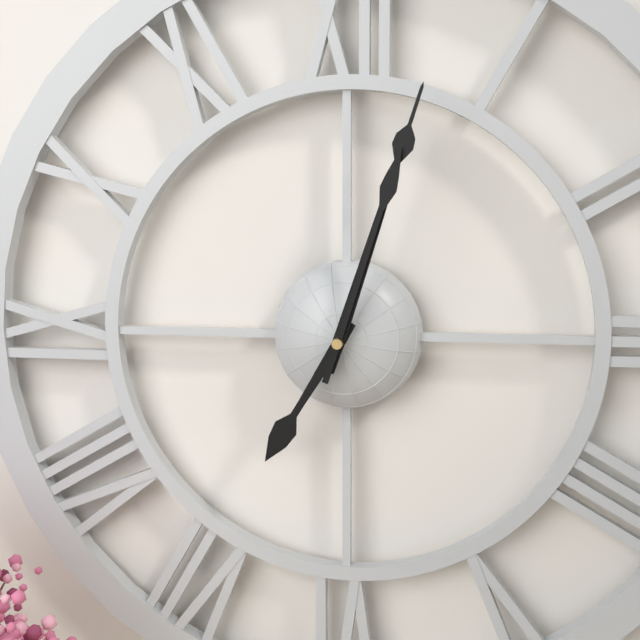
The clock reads 7:03:03
